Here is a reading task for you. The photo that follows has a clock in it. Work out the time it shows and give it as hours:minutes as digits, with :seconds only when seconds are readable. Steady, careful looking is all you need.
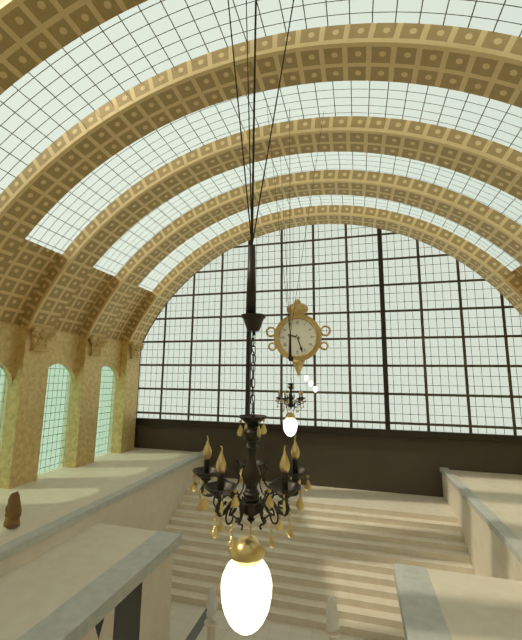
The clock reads 9:27
